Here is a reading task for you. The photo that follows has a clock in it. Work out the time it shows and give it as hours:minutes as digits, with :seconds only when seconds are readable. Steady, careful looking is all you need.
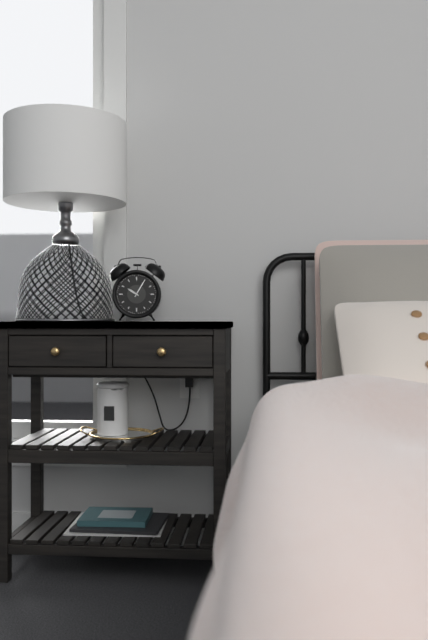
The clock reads 10:05
